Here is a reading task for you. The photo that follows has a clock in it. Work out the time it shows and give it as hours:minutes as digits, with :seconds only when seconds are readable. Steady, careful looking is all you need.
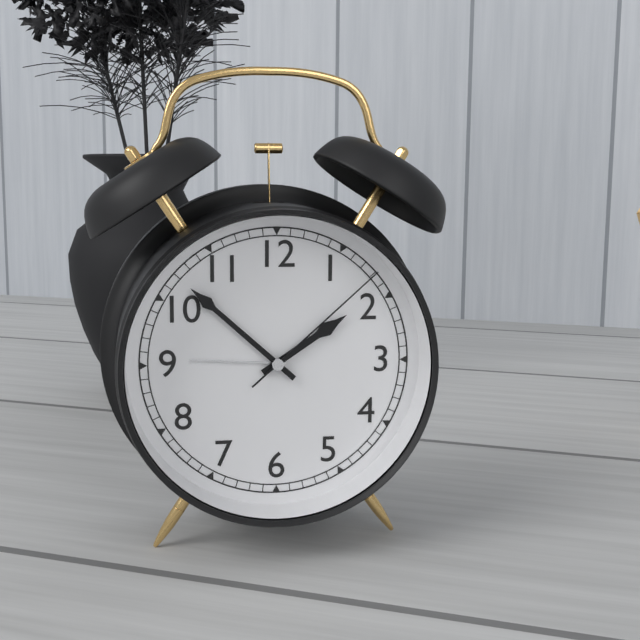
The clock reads 1:52:08
